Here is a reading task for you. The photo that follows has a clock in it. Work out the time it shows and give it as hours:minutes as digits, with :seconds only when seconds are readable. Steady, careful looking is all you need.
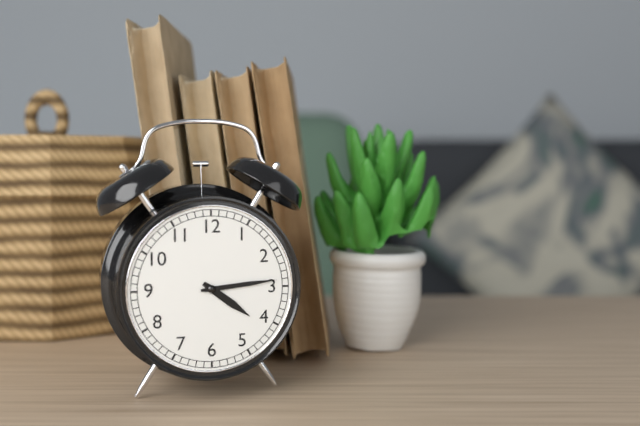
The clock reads 4:14
